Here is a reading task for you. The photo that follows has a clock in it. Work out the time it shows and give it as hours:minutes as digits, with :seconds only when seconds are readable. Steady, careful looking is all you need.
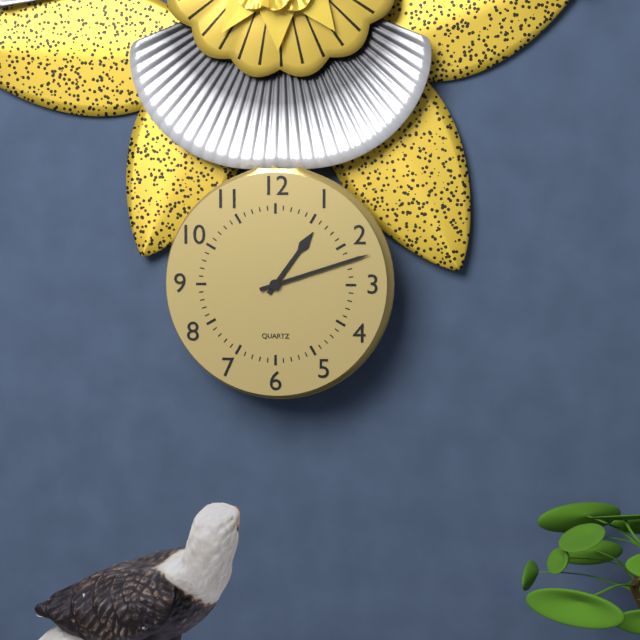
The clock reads 1:12
